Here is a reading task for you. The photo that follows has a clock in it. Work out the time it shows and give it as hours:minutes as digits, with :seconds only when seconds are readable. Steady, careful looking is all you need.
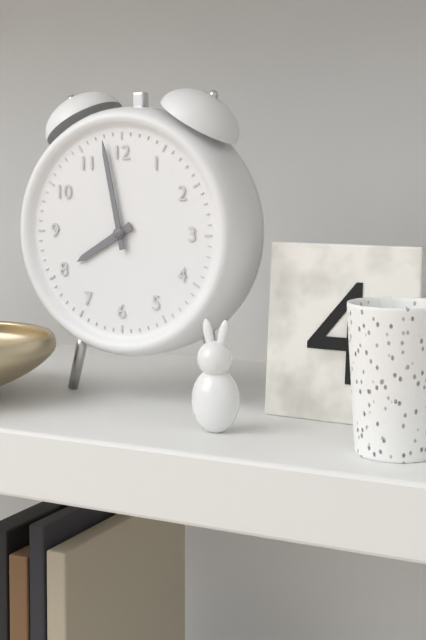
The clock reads 7:58
